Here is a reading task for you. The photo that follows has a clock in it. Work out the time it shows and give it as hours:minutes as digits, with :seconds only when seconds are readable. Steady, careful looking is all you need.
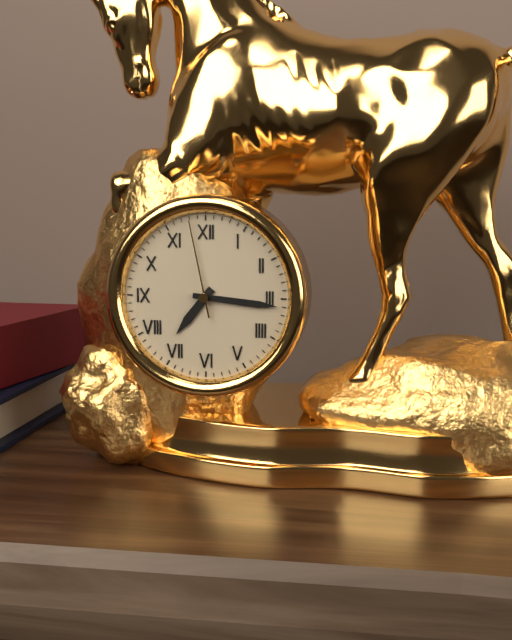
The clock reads 7:16:58
